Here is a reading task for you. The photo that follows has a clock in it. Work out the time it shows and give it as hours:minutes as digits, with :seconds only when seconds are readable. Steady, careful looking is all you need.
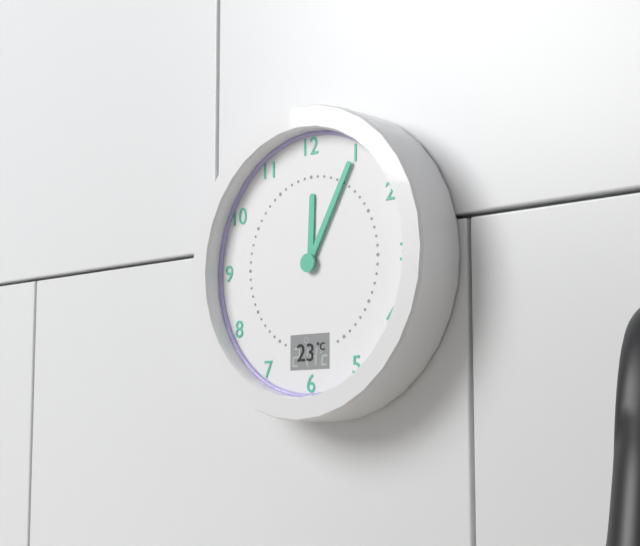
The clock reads 12:05
